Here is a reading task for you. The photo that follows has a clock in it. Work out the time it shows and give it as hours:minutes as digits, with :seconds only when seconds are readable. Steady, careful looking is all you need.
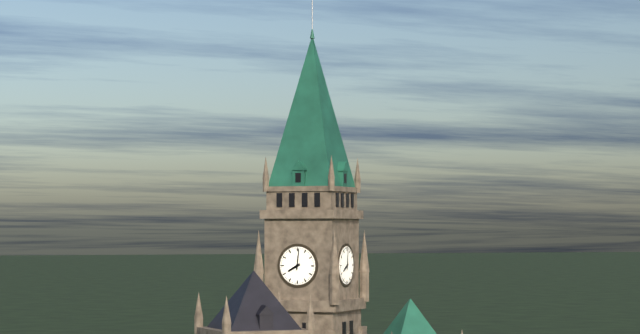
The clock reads 8:01
